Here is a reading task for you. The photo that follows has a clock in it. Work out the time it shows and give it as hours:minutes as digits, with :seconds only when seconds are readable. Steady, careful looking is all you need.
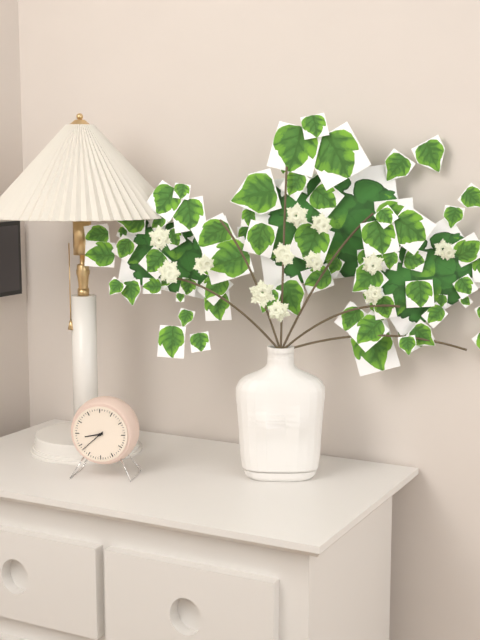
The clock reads 8:38
